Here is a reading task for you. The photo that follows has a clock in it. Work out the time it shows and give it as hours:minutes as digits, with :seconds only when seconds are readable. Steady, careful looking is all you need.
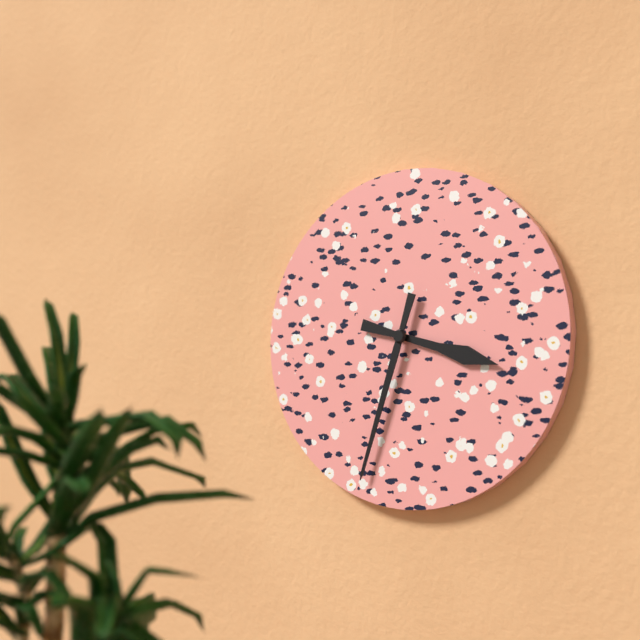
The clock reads 3:33
